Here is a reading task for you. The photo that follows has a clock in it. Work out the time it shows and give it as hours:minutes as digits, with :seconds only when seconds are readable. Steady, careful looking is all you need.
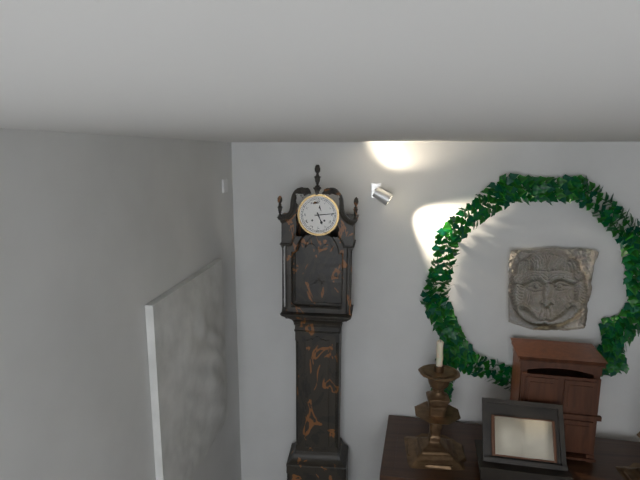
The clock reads 5:14
